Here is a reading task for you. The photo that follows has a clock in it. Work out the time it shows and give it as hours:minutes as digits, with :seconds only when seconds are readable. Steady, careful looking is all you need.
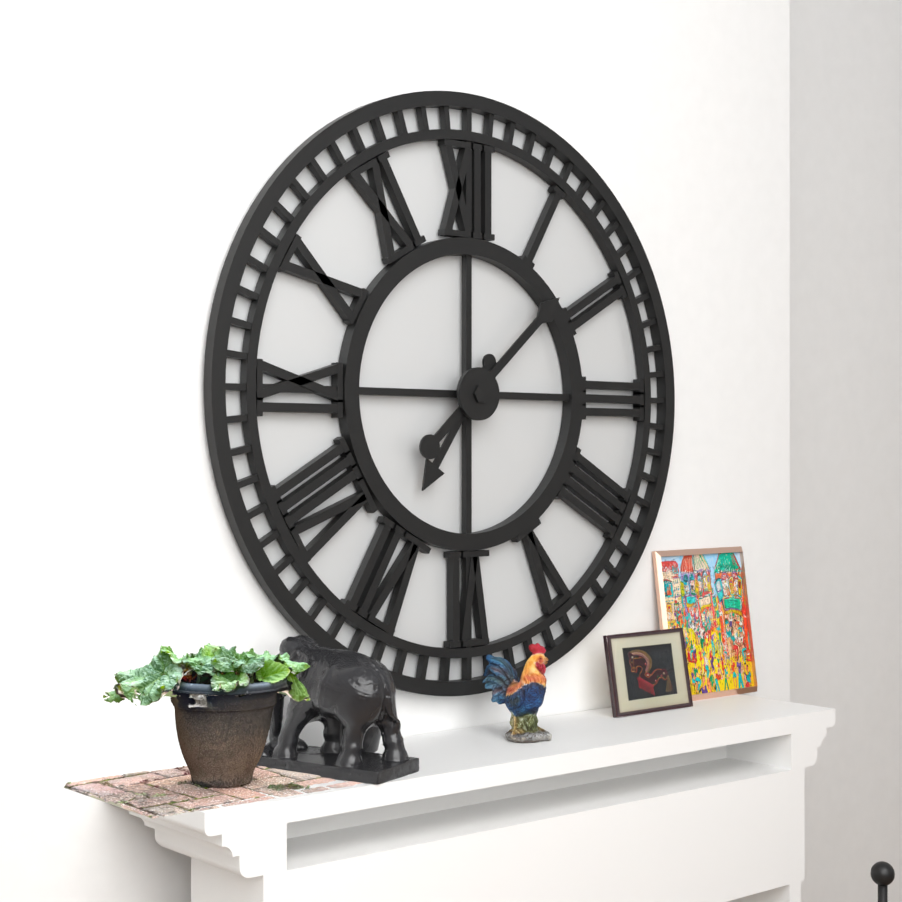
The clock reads 7:08
